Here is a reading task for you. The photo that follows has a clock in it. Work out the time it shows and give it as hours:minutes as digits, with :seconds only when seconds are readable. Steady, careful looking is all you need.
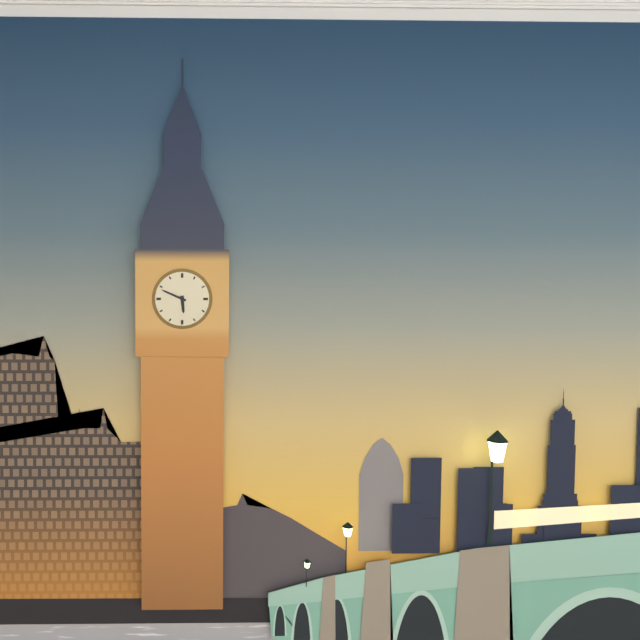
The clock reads 5:49
